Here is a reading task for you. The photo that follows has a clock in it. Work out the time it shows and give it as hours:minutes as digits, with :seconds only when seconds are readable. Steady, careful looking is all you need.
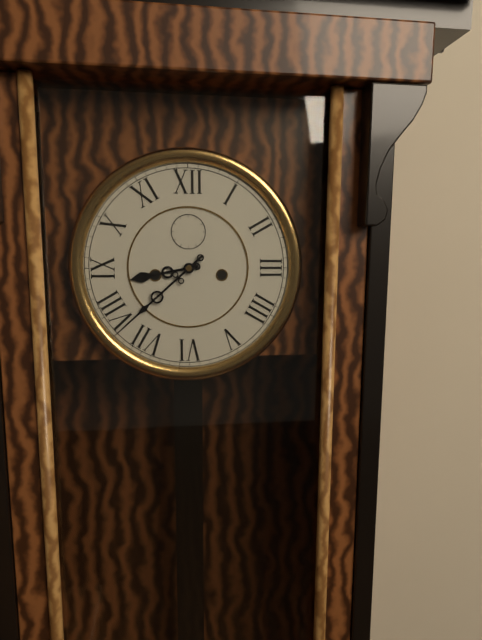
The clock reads 8:38
